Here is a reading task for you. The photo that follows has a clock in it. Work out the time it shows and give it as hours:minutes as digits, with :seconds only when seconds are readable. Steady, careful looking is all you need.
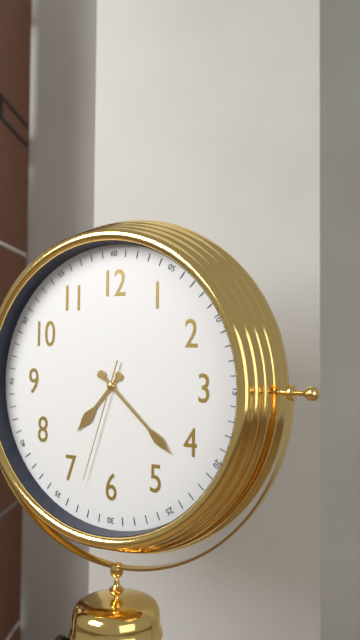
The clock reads 7:22:33
